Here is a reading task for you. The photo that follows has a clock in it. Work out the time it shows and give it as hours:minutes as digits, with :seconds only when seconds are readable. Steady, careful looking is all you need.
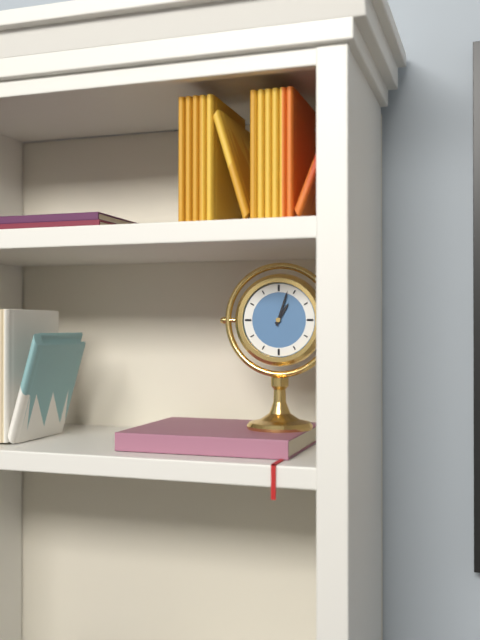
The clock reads 1:03
